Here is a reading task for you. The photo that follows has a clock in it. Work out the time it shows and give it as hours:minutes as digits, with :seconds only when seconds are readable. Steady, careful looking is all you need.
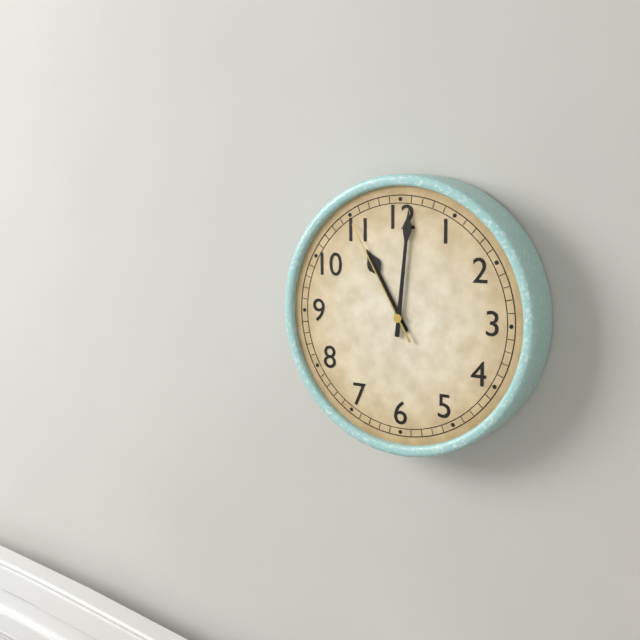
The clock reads 11:01:55
